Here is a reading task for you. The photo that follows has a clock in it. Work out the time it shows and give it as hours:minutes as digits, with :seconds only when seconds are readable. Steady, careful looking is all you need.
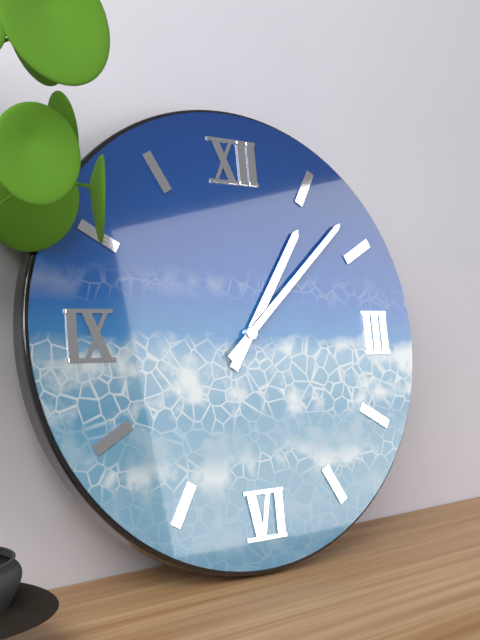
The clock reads 1:08
